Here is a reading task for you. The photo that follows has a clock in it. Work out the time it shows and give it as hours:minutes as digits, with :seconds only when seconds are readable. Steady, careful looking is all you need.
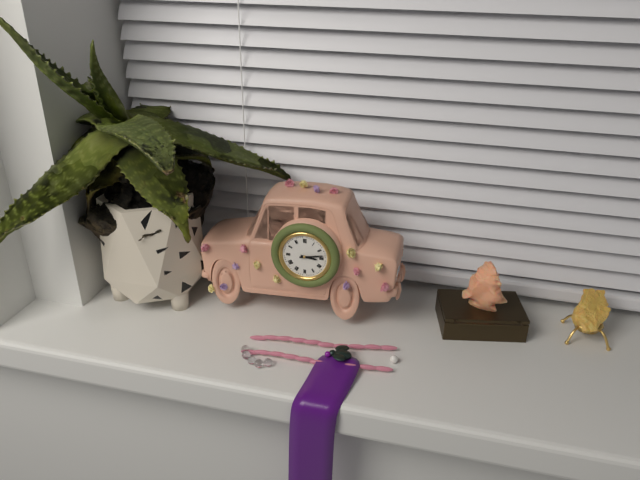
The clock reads 3:13
